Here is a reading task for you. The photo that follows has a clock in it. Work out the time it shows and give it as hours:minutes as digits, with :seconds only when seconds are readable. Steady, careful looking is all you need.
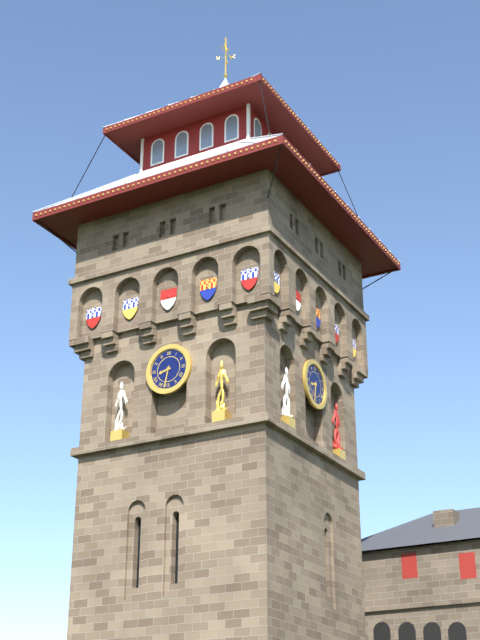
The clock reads 8:32
